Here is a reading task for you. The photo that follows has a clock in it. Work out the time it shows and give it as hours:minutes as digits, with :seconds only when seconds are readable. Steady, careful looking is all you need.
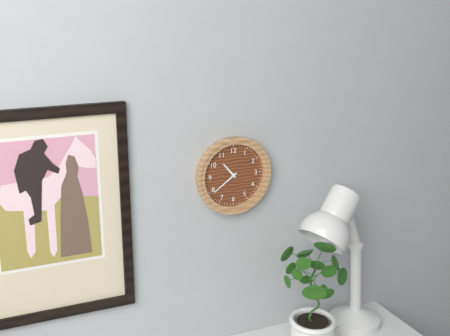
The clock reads 10:39
